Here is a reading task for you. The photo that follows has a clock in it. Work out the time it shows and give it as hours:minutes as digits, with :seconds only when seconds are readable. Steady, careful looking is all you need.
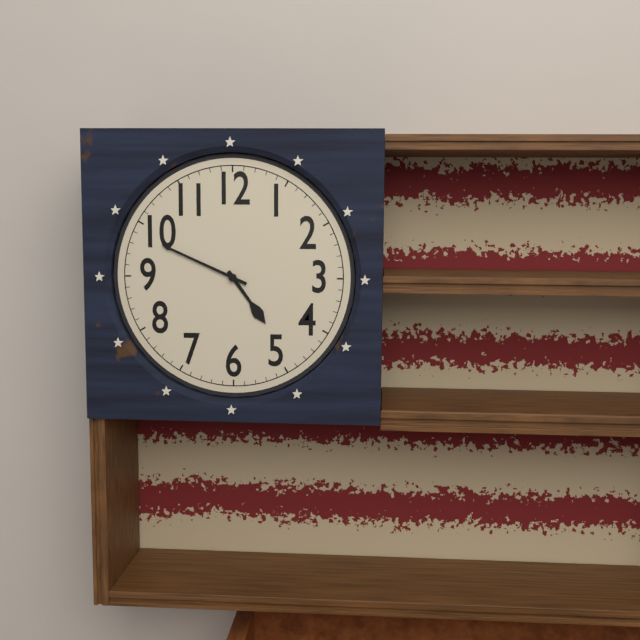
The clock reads 4:49
